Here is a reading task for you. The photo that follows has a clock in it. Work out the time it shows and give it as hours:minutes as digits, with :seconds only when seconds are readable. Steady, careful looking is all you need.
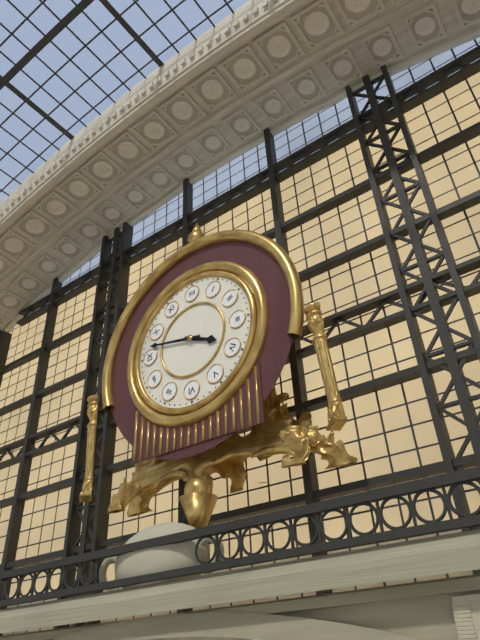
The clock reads 3:47
